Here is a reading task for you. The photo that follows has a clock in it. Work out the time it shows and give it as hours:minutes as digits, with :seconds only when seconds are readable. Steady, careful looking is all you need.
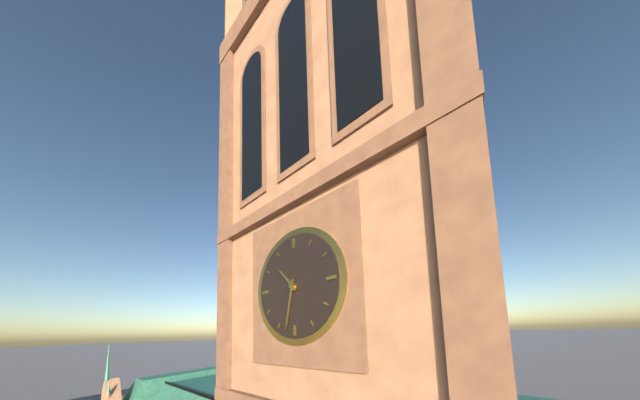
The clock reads 10:32
